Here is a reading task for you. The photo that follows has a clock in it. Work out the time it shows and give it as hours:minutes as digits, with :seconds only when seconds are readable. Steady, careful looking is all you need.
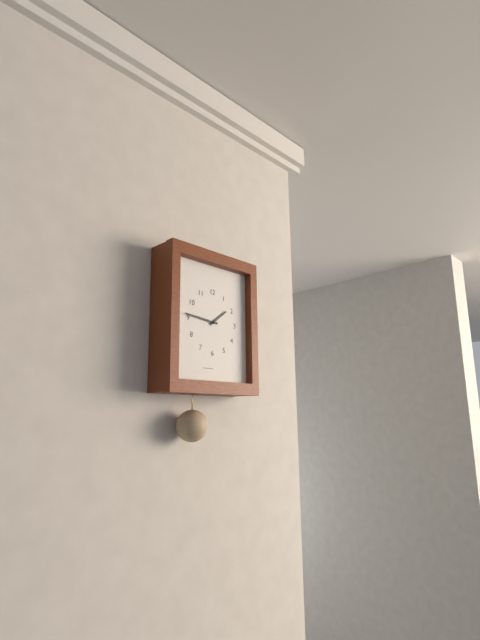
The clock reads 1:46
